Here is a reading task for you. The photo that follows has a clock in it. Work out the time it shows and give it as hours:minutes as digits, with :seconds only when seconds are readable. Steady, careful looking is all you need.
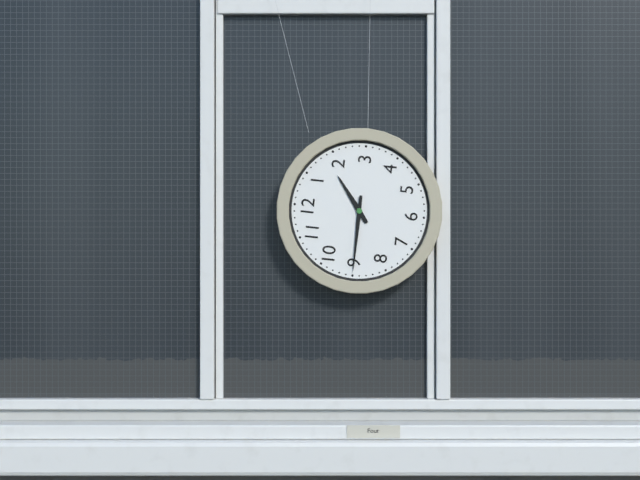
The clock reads 1:45
